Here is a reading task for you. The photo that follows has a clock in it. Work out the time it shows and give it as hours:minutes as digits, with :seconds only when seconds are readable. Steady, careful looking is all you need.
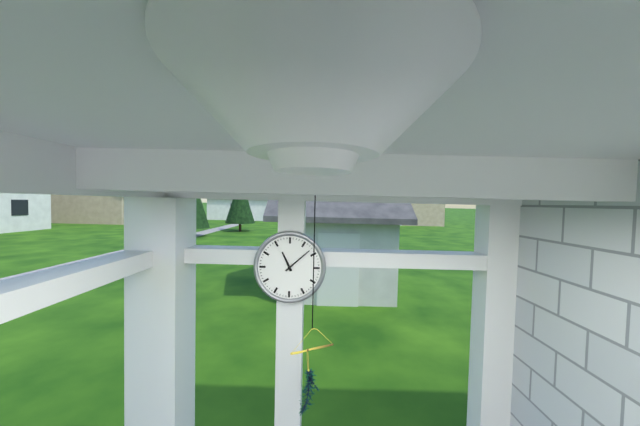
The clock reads 11:08
